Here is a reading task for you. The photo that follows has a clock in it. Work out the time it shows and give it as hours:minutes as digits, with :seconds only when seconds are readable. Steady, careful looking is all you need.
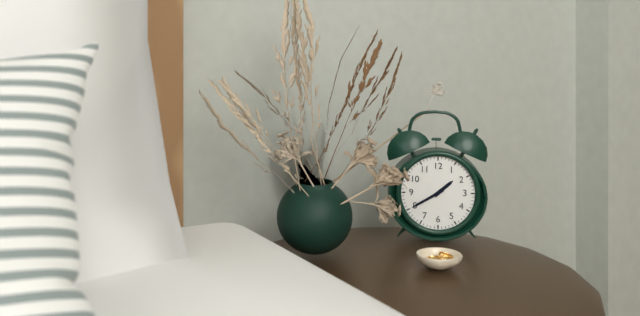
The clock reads 1:40
